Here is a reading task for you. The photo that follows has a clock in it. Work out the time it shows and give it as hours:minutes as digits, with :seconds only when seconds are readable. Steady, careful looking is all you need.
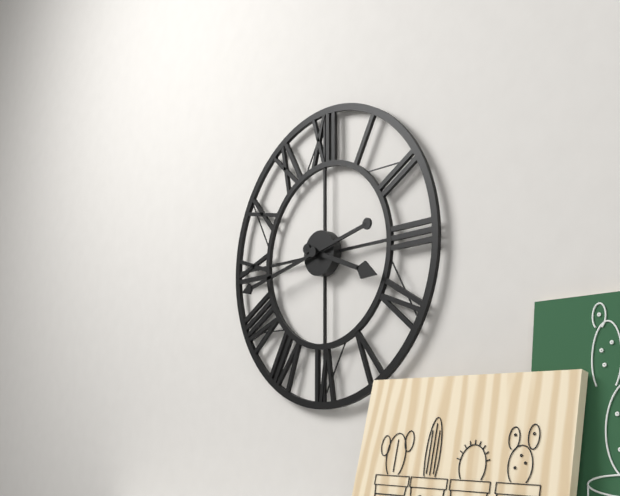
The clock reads 3:43
